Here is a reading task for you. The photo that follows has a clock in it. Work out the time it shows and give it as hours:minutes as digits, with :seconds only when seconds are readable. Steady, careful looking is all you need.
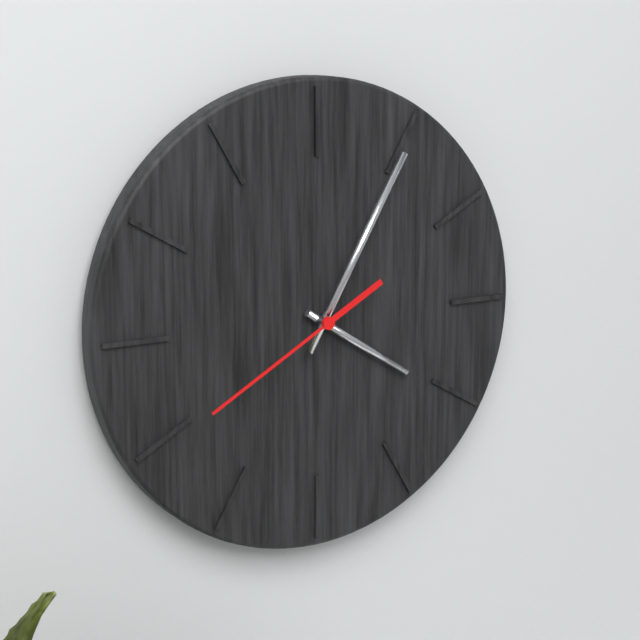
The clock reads 4:05:40
